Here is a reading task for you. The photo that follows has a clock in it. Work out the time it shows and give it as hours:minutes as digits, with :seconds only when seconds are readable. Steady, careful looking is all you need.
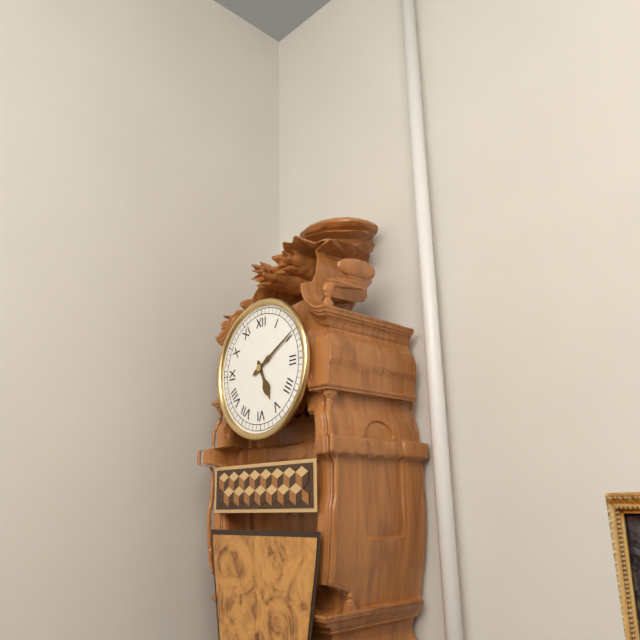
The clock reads 5:10
